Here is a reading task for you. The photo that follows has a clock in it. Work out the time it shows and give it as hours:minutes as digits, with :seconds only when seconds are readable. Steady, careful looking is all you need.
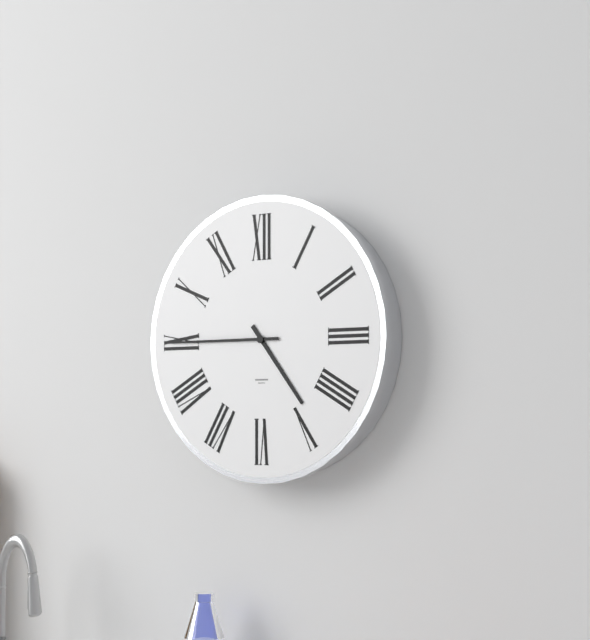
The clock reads 4:45
